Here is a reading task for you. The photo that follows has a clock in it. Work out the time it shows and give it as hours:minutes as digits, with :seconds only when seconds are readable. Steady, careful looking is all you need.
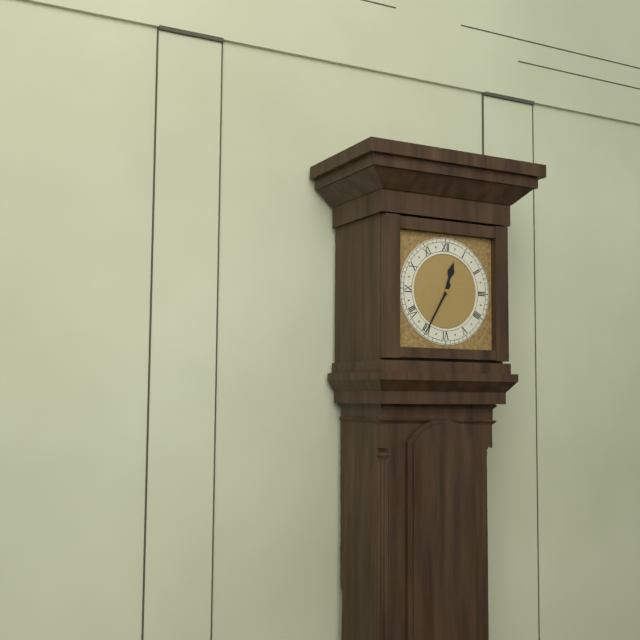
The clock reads 12:35
